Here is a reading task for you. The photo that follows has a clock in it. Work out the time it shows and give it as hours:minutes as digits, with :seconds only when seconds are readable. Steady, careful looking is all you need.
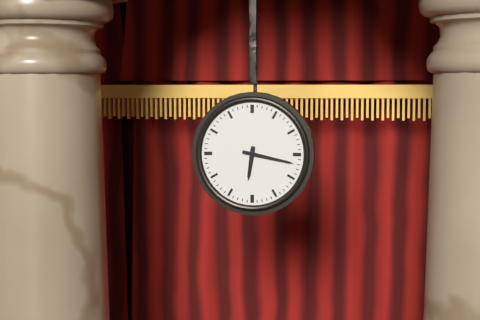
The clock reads 6:17
